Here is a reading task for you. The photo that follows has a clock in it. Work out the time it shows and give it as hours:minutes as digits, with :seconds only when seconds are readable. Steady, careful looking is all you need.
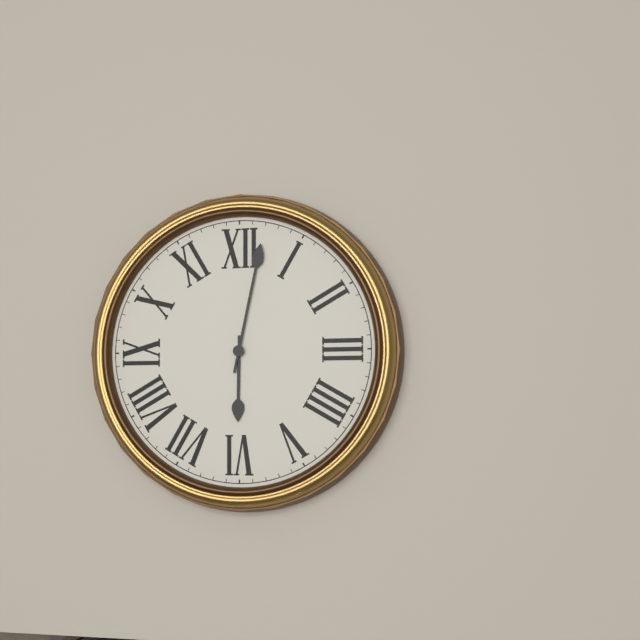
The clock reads 6:02
